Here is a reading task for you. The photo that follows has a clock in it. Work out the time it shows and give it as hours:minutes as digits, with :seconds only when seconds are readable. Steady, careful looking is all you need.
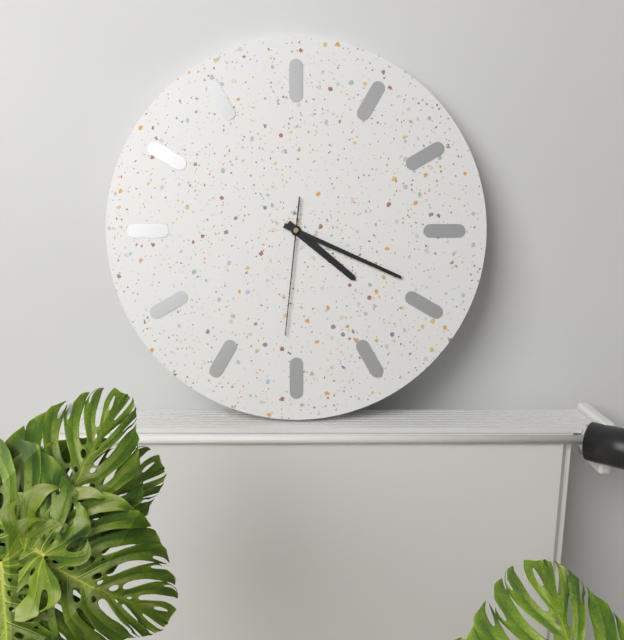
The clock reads 4:19:31
